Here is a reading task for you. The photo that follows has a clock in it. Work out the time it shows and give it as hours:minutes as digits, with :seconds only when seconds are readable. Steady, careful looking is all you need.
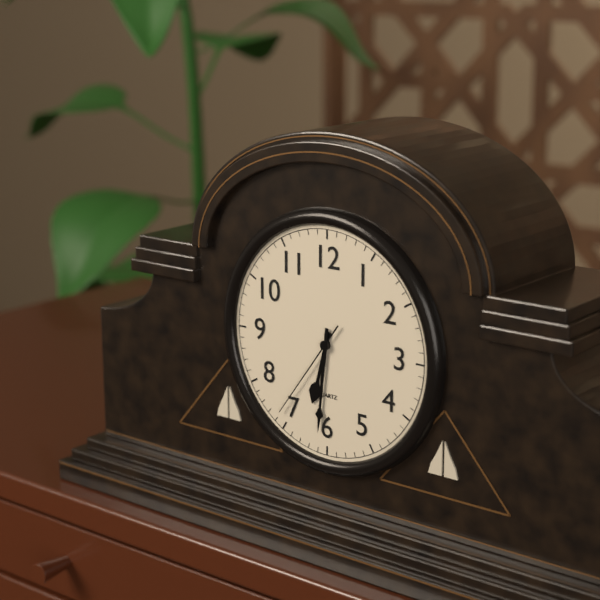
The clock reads 6:31:36
